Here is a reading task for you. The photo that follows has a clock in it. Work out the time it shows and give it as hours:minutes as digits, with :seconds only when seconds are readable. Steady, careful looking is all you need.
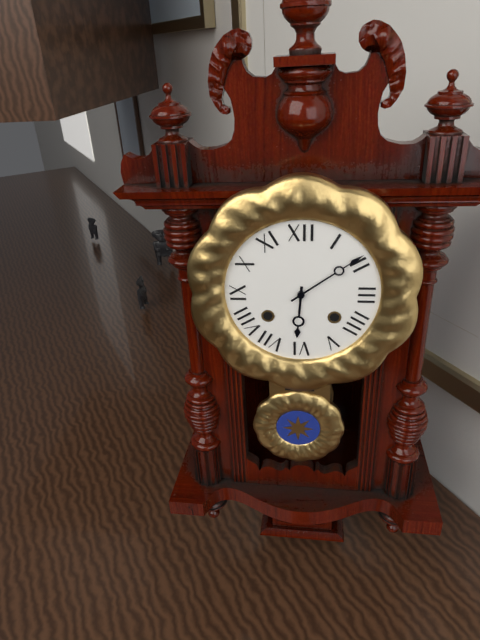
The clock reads 6:09
